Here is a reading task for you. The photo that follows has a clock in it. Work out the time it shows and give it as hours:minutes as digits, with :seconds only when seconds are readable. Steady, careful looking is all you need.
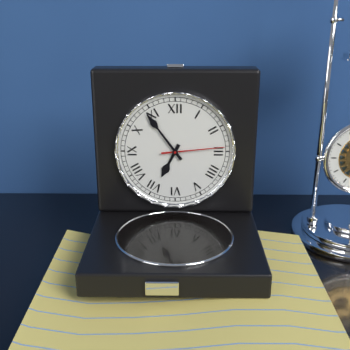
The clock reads 6:54:14
